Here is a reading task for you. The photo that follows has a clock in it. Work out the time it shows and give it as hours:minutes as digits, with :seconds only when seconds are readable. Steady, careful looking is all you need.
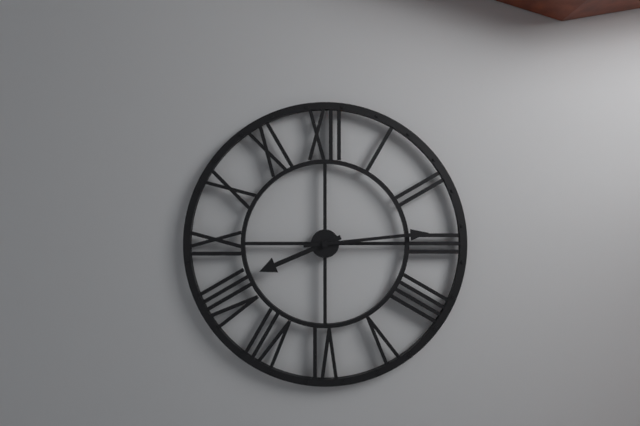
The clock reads 8:14
